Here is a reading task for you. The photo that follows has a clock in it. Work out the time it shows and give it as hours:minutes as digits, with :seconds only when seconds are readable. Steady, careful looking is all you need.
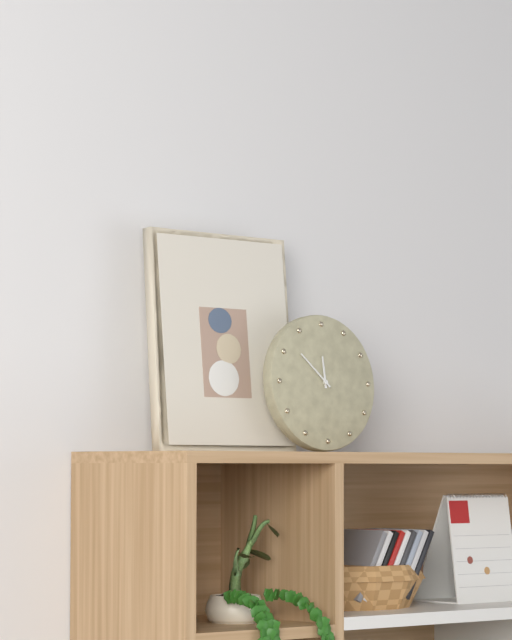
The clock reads 11:52
